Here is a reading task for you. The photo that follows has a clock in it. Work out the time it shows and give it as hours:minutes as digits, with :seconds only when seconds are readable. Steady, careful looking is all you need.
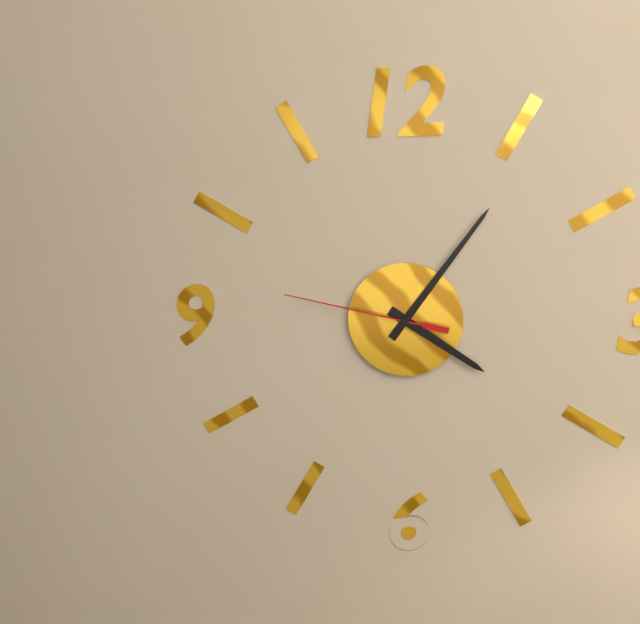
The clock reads 4:06:47
